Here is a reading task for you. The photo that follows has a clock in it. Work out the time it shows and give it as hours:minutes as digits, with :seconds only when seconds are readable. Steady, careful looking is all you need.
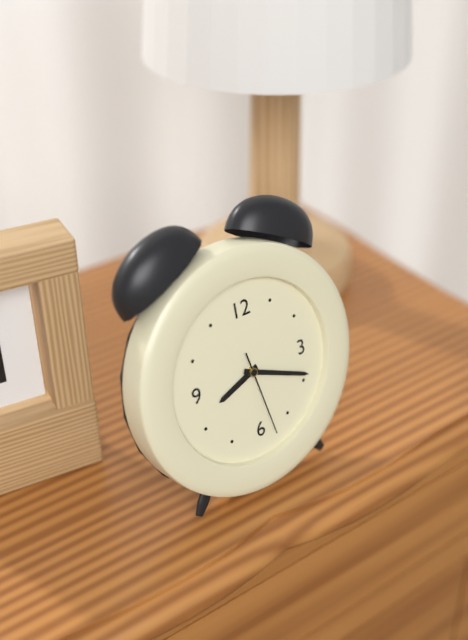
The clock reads 8:19:28
